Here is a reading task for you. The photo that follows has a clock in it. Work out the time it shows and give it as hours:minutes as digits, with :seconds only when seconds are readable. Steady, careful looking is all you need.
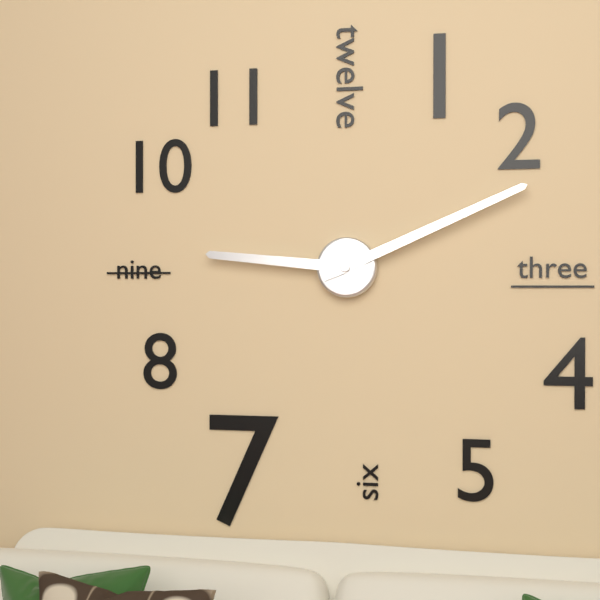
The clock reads 9:11
